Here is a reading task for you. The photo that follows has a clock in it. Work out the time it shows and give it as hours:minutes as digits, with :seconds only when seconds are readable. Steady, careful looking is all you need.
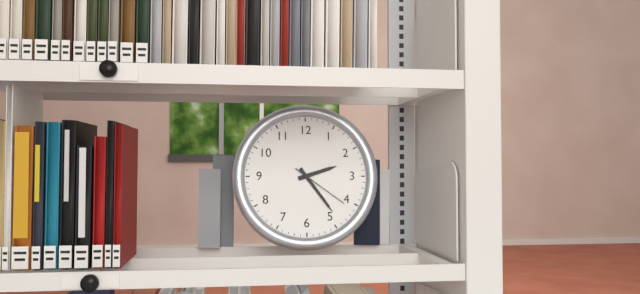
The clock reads 2:24:21
